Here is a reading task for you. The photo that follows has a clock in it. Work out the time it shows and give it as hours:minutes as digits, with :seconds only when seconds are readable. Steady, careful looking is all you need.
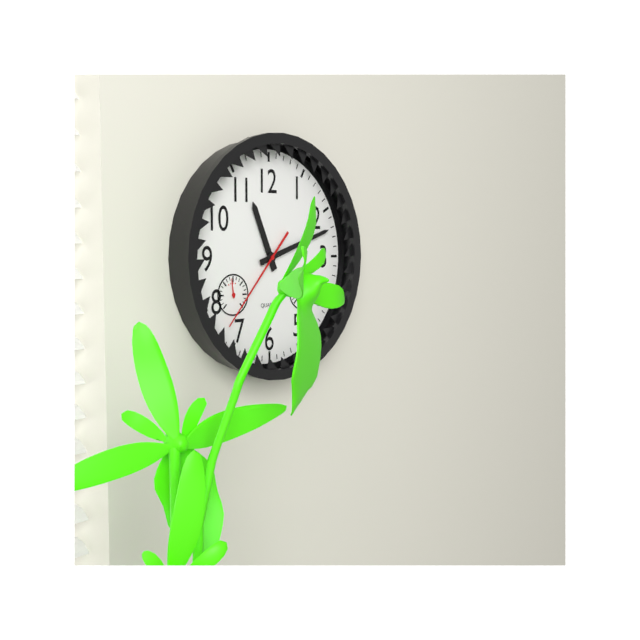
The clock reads 11:12:37
